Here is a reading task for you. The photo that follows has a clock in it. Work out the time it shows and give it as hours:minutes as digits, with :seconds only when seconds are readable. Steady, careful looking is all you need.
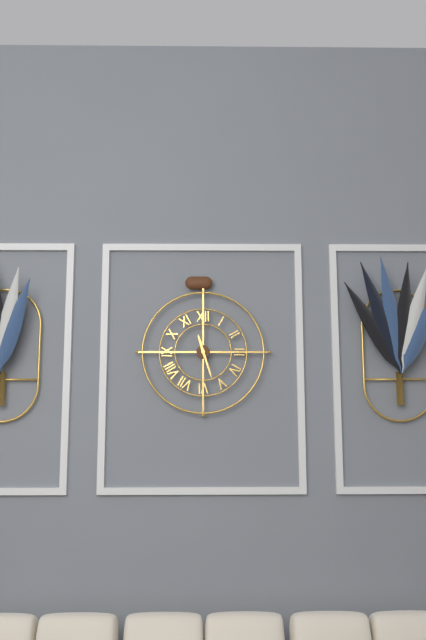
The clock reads 11:27
